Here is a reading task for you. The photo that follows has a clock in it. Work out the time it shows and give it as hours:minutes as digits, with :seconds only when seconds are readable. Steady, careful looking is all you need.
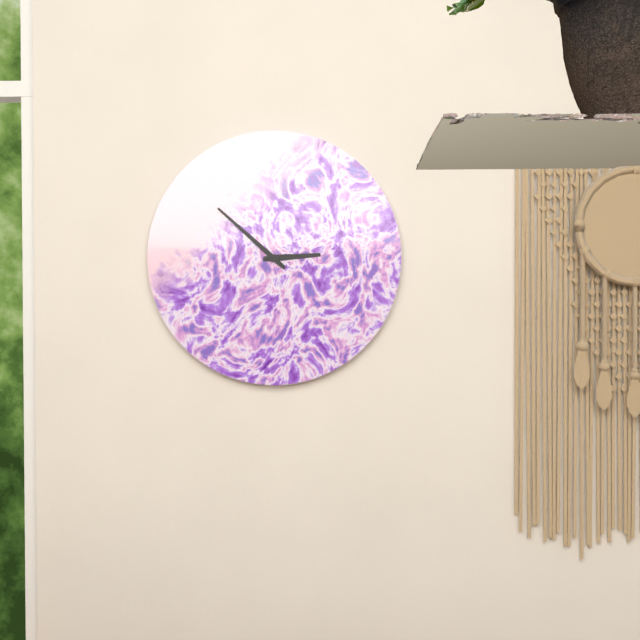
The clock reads 2:52
